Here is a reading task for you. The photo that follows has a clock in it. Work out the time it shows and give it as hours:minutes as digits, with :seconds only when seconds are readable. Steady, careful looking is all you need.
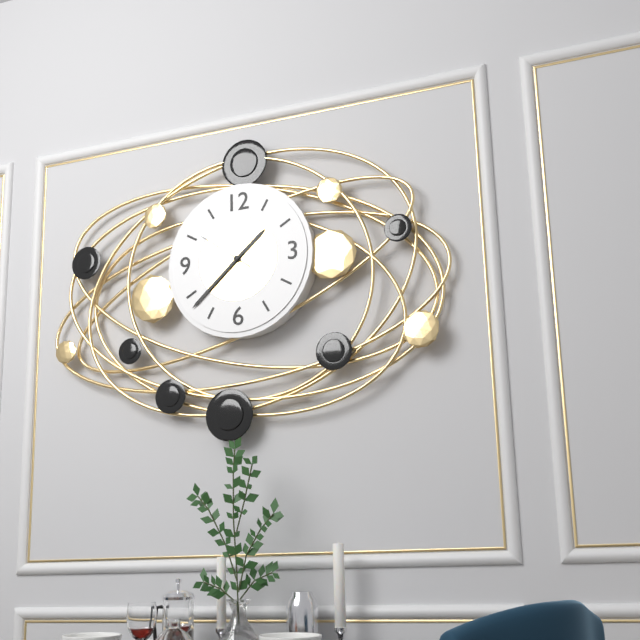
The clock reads 1:38:51
